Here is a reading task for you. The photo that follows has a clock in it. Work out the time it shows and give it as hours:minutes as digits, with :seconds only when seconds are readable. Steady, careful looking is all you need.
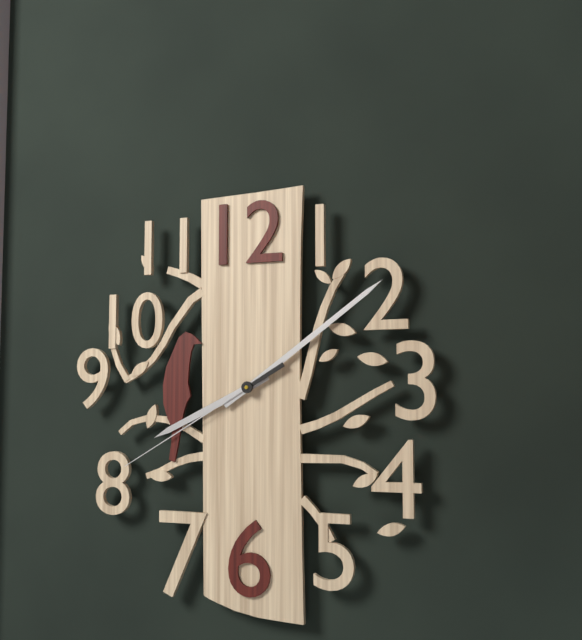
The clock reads 8:09:40
